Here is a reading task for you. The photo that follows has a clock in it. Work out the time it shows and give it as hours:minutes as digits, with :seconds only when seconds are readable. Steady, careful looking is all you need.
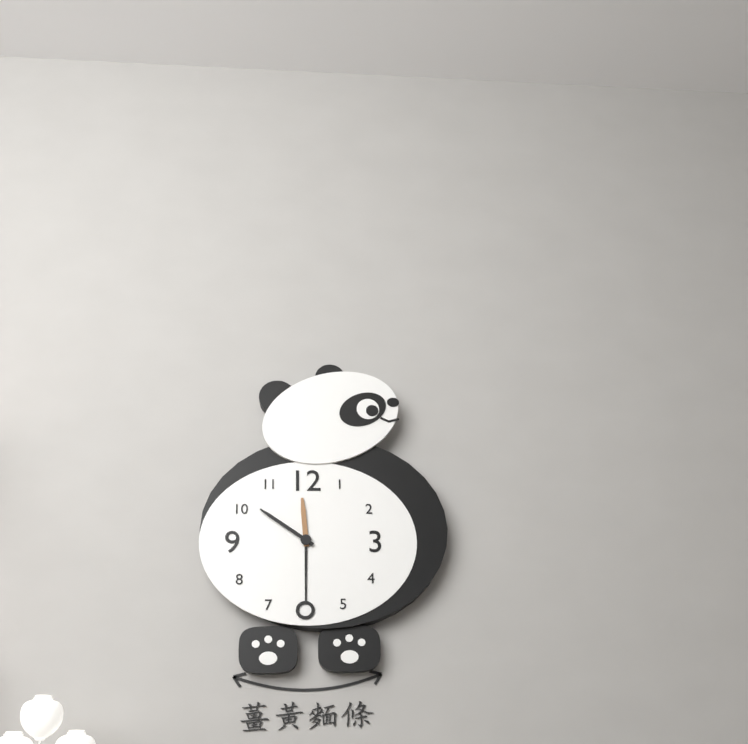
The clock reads 11:51
